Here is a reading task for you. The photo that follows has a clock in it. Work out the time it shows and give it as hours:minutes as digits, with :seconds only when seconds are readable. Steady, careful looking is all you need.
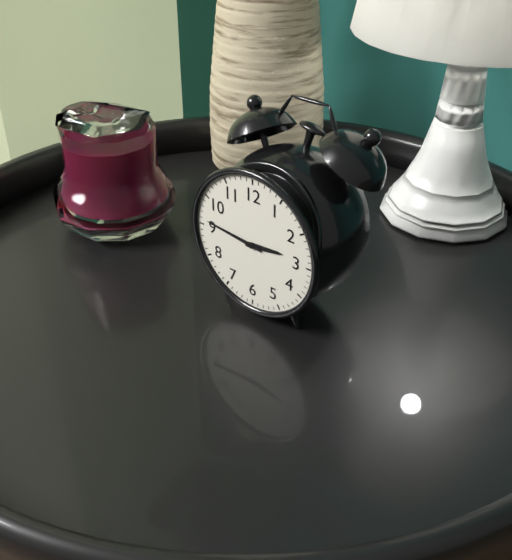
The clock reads 2:46
